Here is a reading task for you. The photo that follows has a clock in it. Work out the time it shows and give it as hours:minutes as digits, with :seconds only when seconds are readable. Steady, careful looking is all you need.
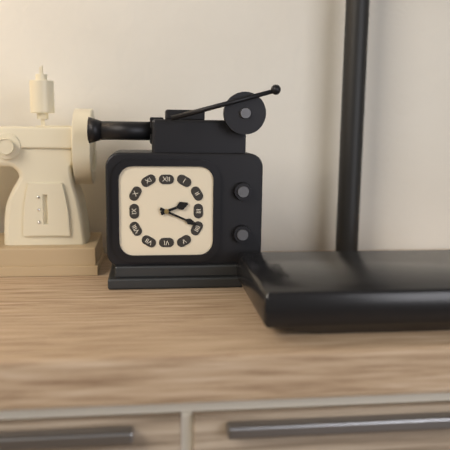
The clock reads 2:19
